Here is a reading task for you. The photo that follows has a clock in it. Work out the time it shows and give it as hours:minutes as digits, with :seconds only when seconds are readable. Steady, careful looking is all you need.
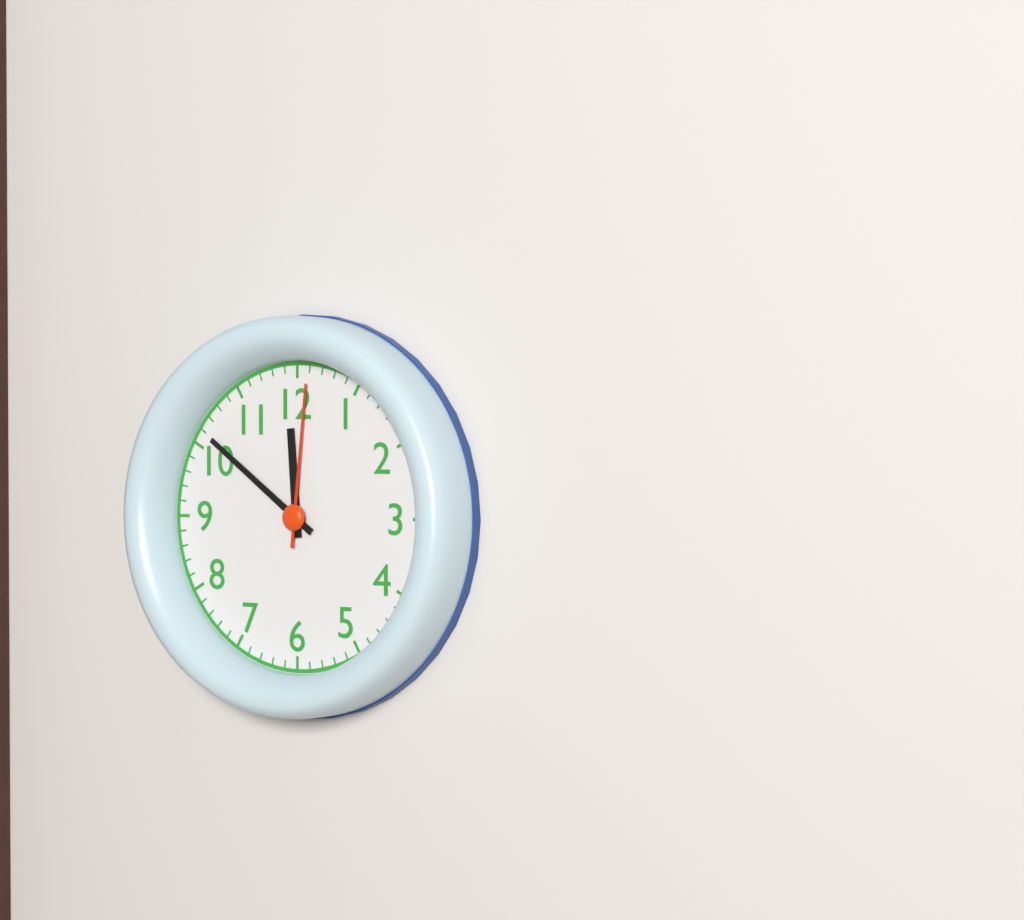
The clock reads 11:51:01
